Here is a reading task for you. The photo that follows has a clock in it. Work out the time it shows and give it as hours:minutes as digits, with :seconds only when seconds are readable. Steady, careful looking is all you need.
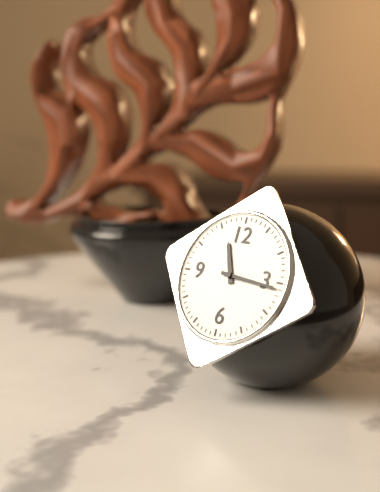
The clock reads 11:16
